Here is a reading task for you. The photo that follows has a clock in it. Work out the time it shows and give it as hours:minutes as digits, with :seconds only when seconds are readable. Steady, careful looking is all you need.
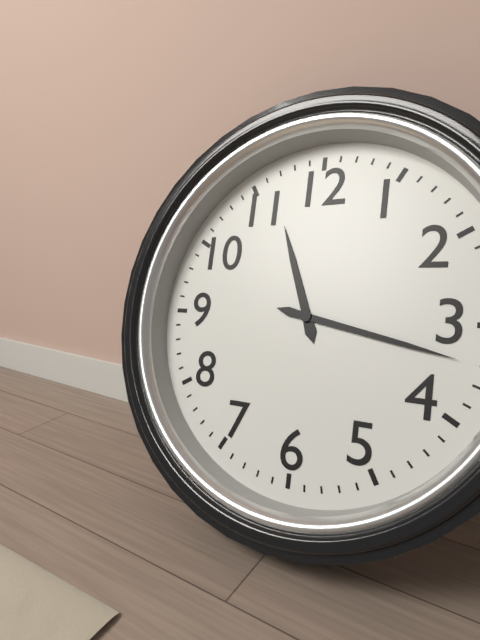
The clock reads 11:17
